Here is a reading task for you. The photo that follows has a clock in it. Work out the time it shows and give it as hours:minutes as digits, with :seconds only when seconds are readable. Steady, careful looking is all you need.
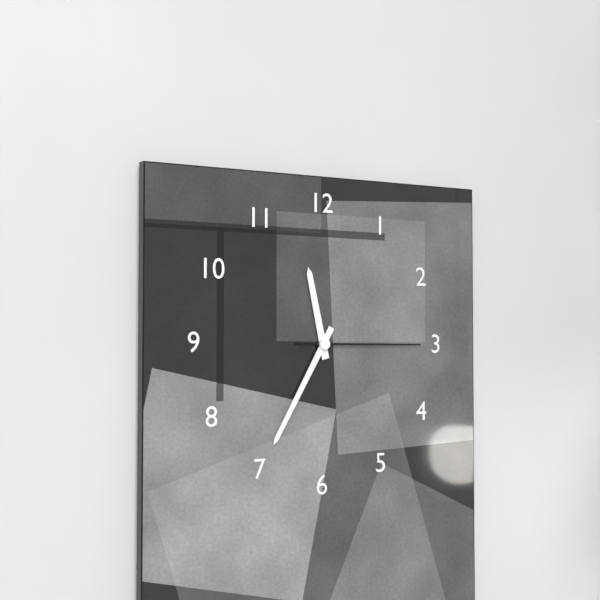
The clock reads 11:35:15
